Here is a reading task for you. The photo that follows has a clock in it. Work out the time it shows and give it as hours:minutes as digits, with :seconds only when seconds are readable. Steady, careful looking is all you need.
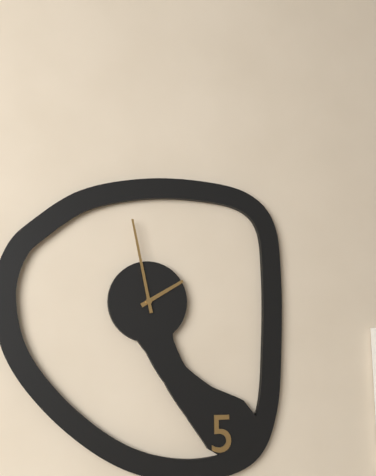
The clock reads 1:58
